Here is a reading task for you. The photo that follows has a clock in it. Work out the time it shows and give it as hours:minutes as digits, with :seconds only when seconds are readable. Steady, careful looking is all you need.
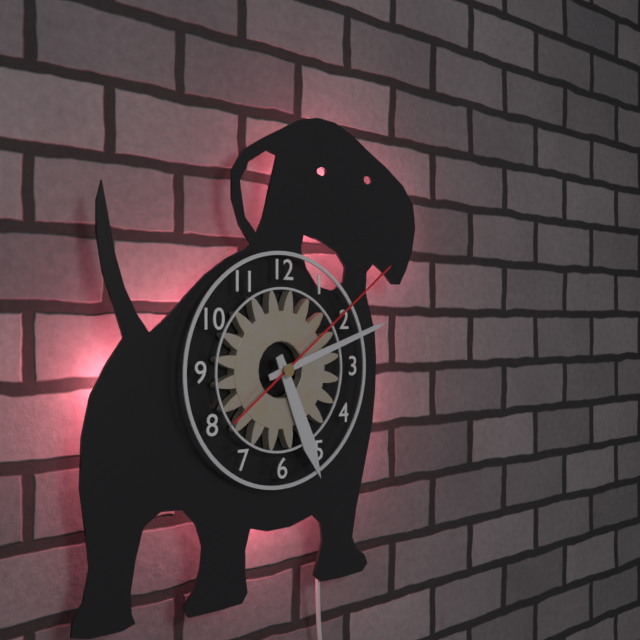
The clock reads 5:12:09
